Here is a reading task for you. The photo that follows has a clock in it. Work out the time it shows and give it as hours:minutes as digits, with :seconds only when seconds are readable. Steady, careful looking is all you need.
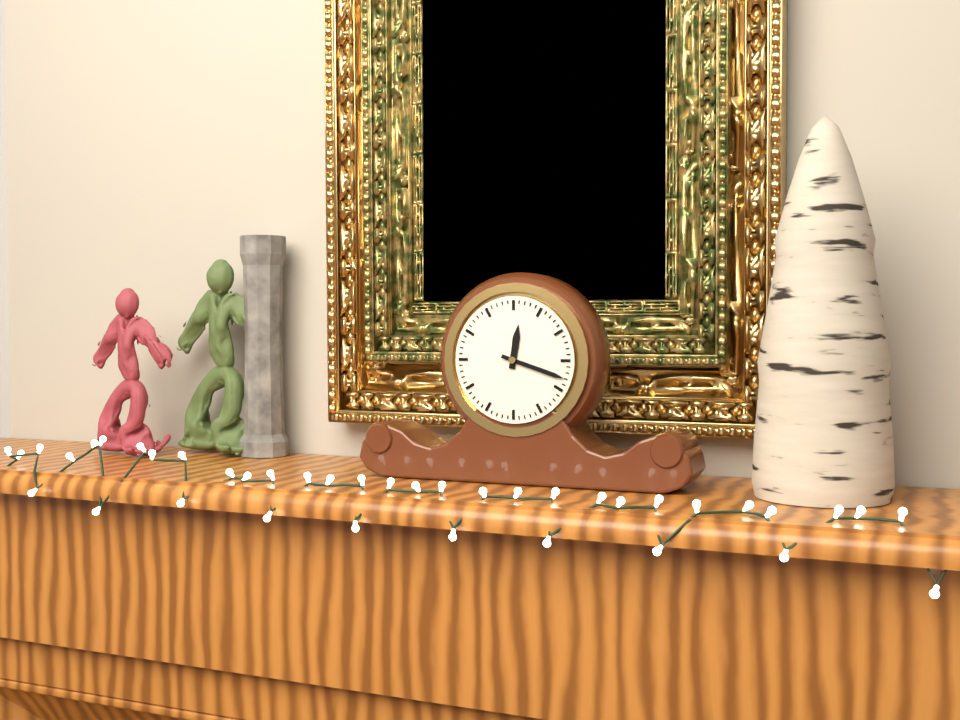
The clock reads 12:18
